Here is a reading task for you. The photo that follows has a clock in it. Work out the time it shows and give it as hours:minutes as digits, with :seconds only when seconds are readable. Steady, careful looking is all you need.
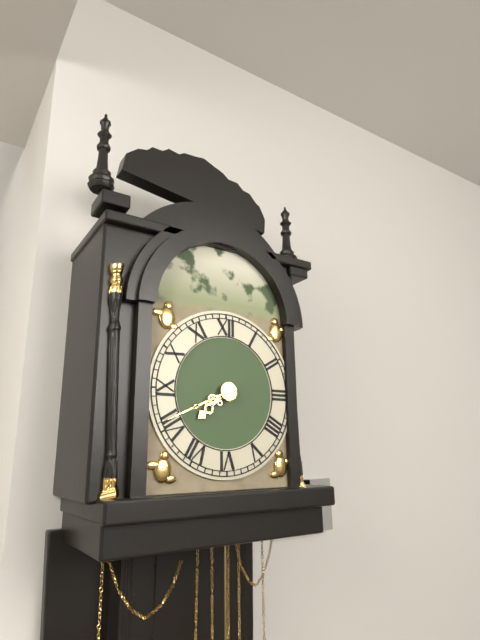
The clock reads 7:41
